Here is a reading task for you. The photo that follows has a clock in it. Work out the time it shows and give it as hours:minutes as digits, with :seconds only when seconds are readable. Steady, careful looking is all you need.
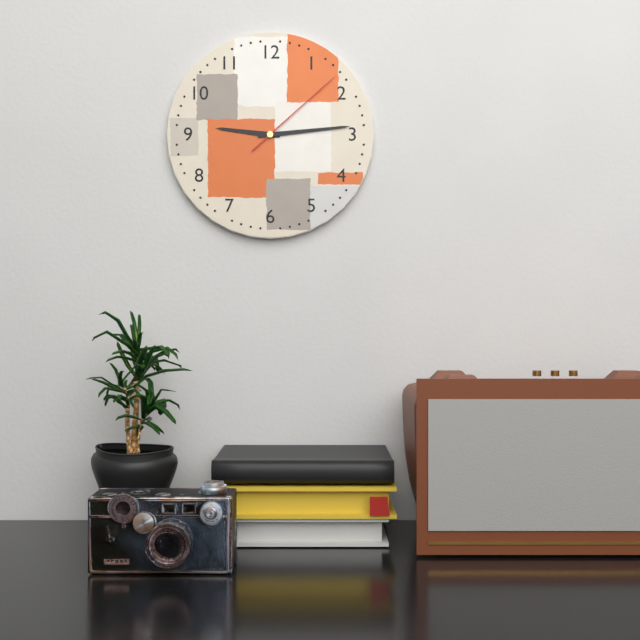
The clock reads 9:14:08
